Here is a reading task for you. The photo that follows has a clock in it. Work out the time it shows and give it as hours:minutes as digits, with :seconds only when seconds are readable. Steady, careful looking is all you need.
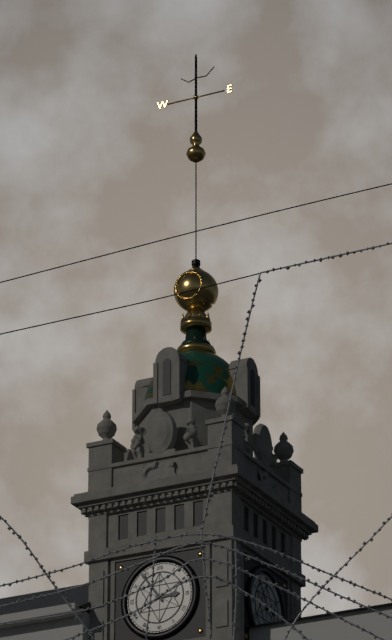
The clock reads 2:54
